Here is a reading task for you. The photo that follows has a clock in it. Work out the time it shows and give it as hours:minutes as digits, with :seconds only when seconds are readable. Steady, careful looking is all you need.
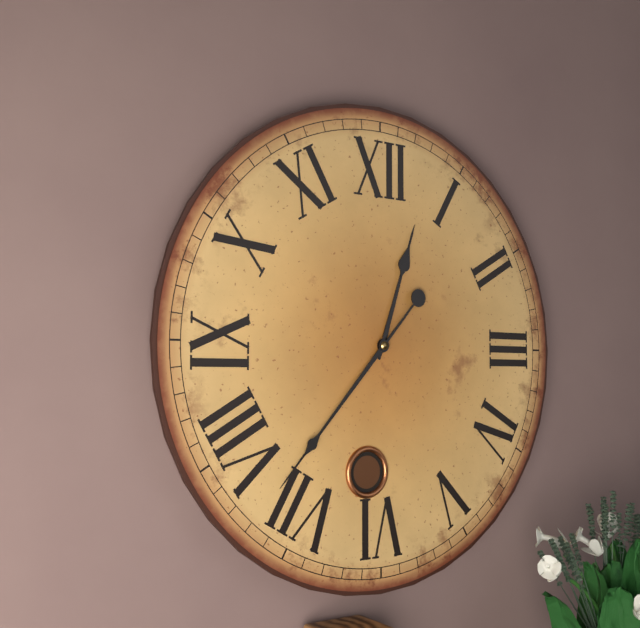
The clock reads 12:37
